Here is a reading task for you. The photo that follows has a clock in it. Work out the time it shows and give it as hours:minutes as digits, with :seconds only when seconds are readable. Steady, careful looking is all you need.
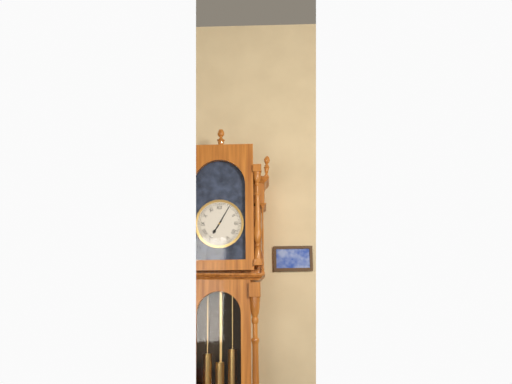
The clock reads 7:05
